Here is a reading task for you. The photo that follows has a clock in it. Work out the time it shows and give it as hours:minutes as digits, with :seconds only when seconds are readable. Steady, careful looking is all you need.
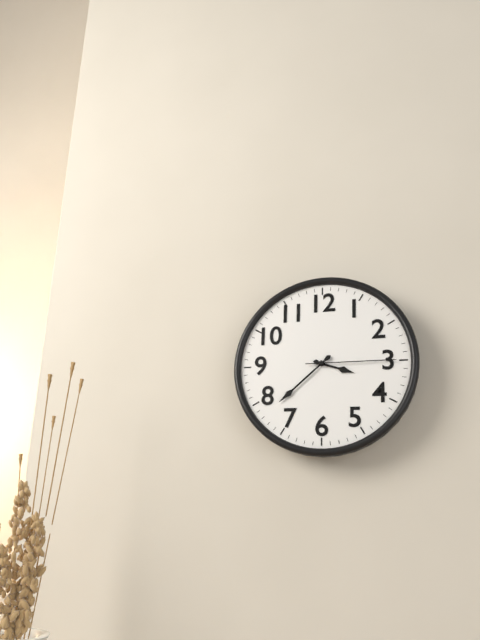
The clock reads 3:38:15
